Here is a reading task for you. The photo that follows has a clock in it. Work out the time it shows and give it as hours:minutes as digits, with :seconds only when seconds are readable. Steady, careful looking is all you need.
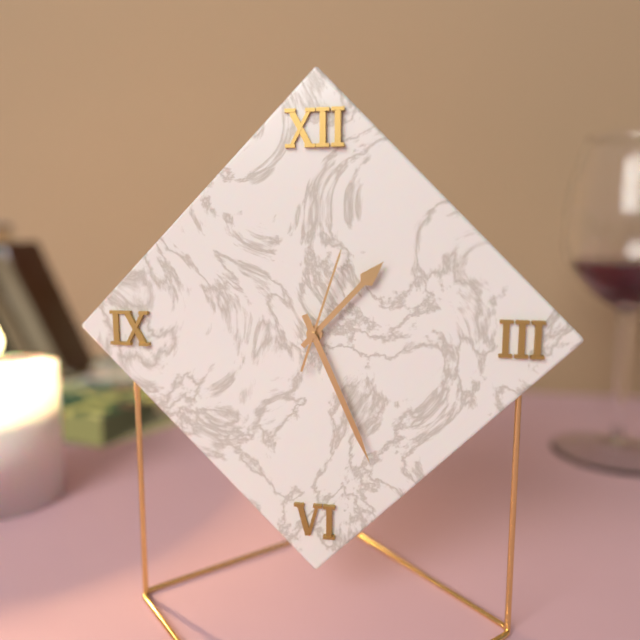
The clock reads 1:26:03
